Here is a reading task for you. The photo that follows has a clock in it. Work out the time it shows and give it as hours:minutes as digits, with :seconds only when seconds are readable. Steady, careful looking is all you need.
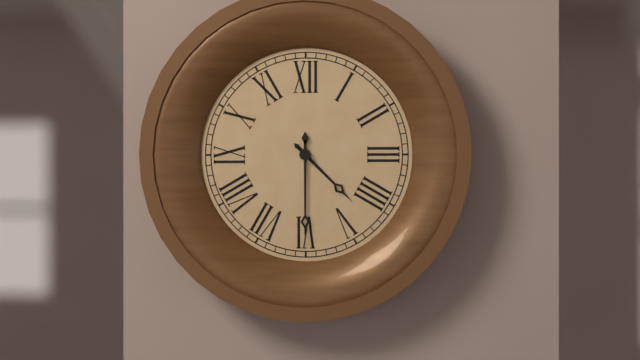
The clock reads 4:30
